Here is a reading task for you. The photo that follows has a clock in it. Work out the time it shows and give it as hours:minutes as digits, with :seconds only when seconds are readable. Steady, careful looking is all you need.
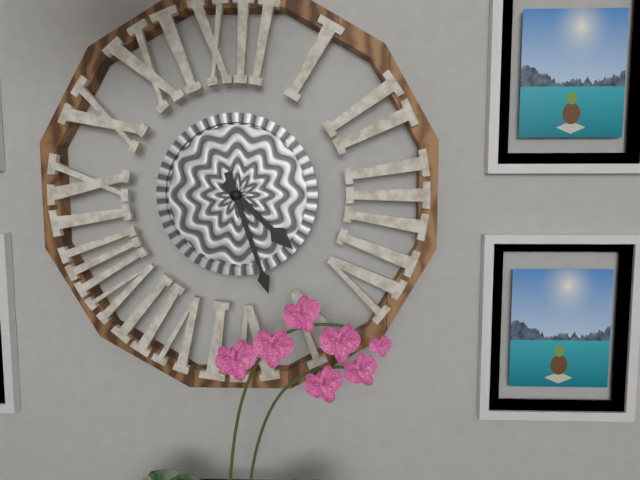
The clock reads 4:27
